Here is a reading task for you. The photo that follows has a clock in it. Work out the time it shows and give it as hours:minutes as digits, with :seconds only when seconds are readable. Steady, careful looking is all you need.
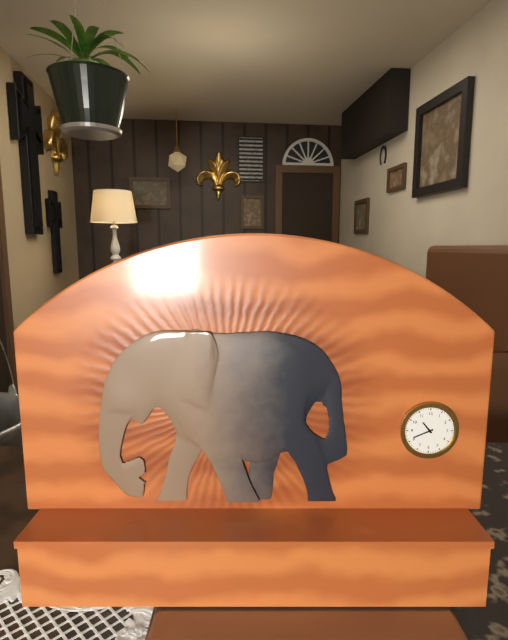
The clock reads 10:41
